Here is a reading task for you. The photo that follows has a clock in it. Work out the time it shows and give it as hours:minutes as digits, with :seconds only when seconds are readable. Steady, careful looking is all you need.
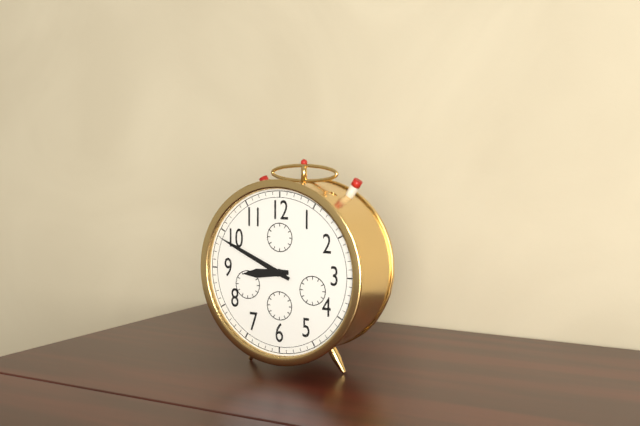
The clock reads 8:49
